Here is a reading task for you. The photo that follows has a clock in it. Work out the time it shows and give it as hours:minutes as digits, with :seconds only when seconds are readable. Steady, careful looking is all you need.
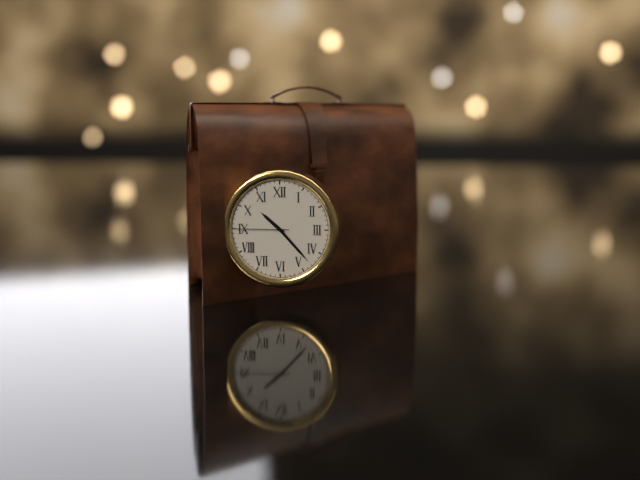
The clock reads 10:23:45
